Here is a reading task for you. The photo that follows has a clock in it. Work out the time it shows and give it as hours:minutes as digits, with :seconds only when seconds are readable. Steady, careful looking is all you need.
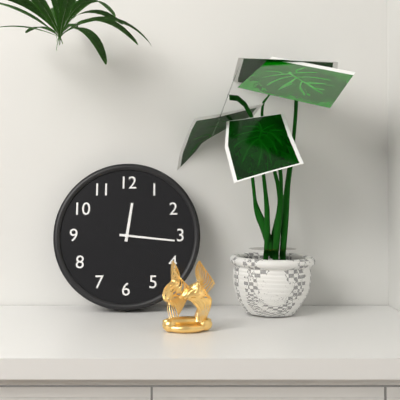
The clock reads 12:16
